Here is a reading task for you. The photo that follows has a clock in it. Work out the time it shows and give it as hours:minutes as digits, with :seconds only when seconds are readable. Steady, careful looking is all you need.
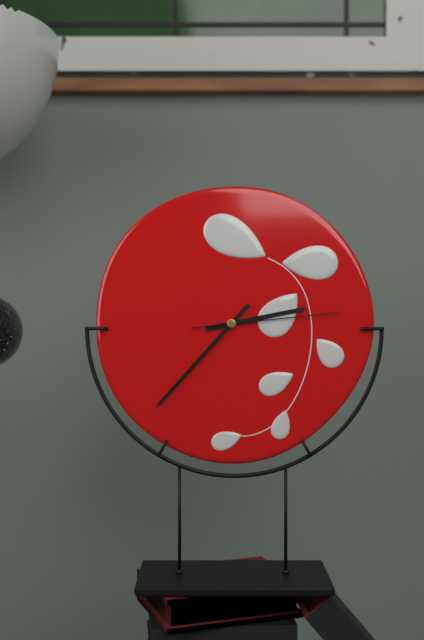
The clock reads 2:37:14
